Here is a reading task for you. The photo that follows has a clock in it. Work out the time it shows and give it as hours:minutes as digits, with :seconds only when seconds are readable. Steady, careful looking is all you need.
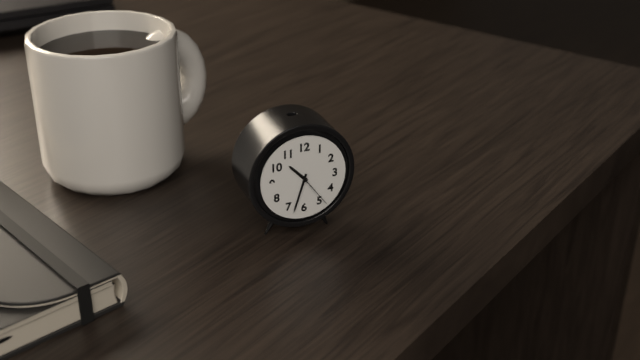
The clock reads 10:33
